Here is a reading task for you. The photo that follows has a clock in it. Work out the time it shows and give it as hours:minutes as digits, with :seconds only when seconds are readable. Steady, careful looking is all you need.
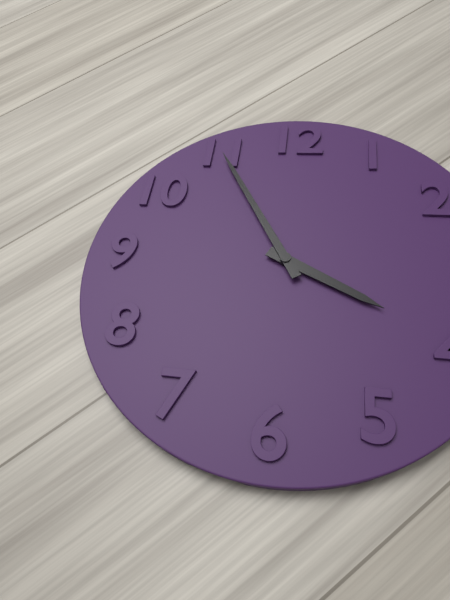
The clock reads 3:55
